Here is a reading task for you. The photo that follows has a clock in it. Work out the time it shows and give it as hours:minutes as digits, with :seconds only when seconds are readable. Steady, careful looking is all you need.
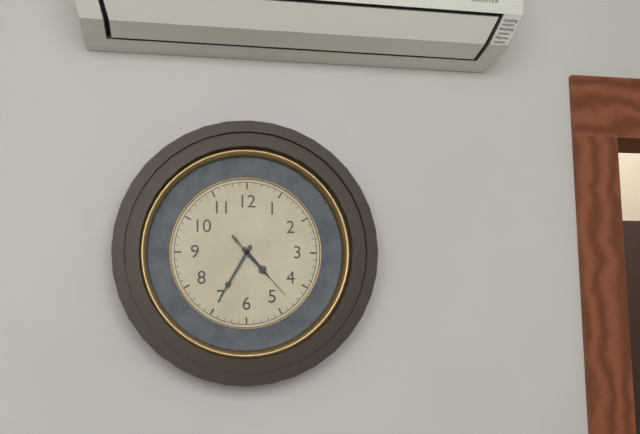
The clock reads 4:35:23
